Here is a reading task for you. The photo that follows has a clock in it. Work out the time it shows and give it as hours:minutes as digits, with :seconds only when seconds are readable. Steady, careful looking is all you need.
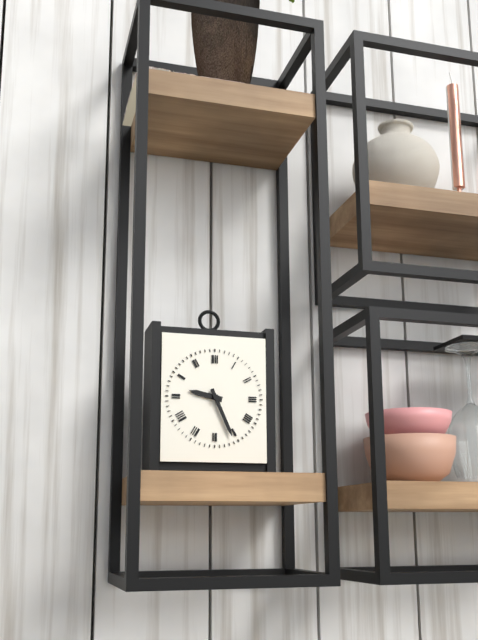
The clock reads 9:26
